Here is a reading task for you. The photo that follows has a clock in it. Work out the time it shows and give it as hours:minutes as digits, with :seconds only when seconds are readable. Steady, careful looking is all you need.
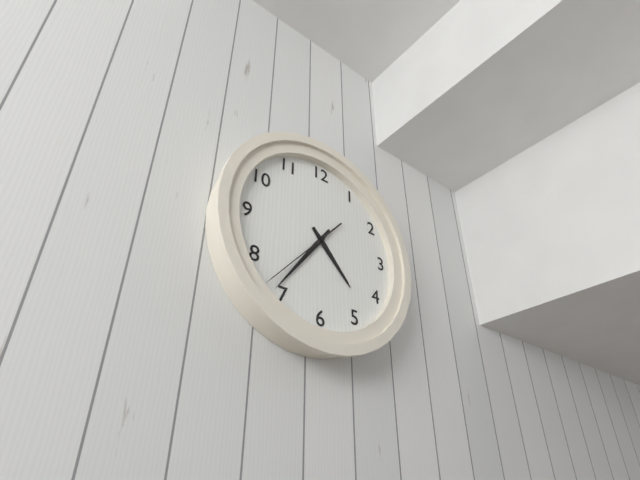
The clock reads 4:36:37
